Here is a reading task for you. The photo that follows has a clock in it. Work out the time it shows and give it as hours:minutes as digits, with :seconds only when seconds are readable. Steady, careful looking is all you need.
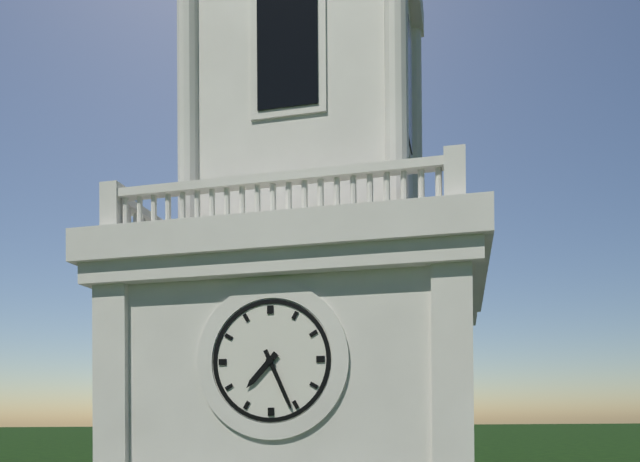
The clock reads 7:26
